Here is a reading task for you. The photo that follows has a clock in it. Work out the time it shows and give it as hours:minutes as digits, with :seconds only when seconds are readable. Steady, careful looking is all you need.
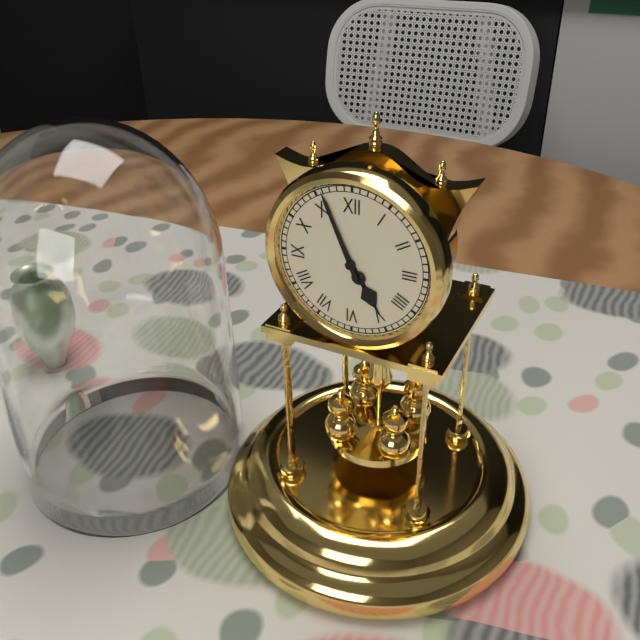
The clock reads 4:56
